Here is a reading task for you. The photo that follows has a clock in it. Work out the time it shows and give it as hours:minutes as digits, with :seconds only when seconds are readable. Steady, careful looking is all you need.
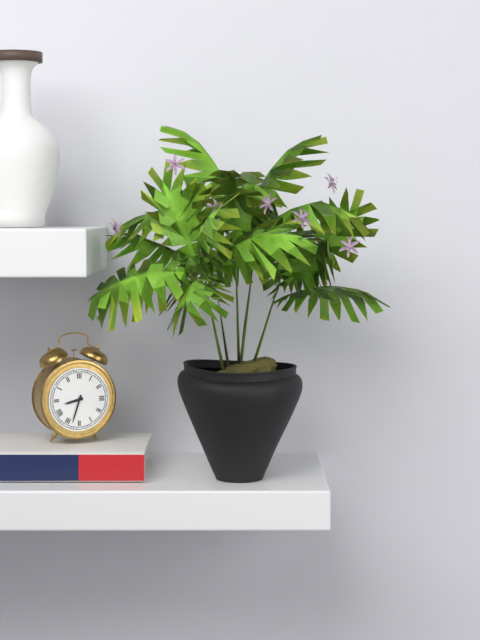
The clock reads 8:33
